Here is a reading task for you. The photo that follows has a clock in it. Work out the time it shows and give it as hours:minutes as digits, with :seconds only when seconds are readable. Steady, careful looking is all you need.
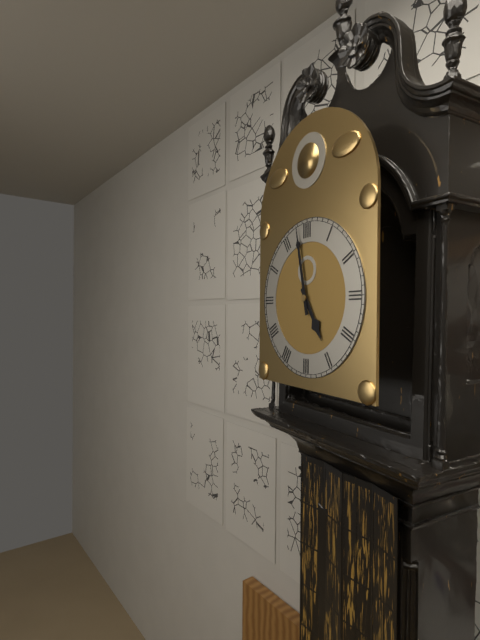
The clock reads 4:58
